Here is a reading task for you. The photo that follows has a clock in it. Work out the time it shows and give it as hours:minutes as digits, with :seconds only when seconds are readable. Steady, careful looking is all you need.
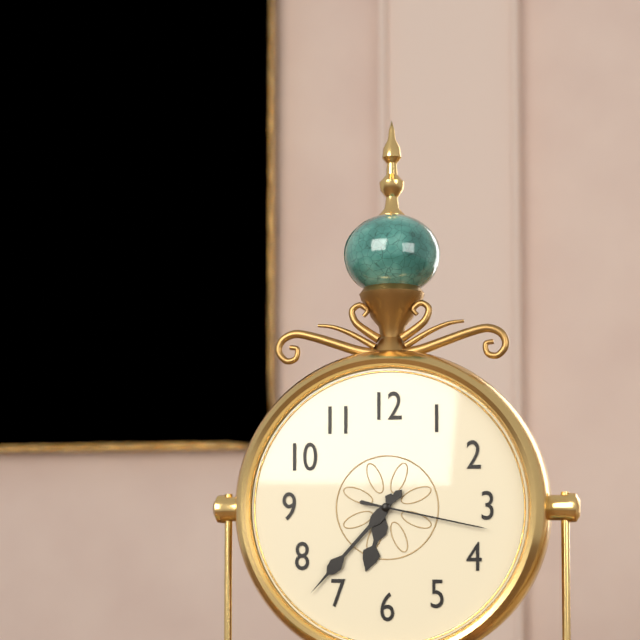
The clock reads 6:37:17
